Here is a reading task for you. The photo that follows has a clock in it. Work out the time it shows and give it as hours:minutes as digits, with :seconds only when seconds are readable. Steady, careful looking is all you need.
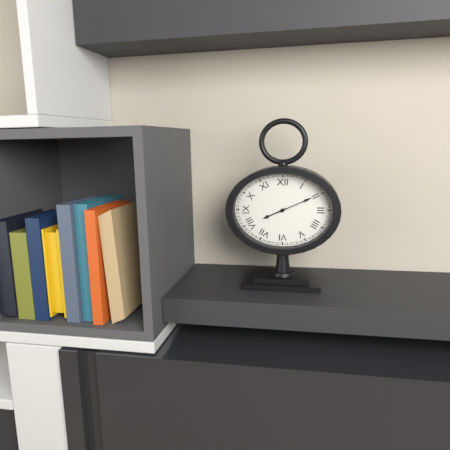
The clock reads 8:11
